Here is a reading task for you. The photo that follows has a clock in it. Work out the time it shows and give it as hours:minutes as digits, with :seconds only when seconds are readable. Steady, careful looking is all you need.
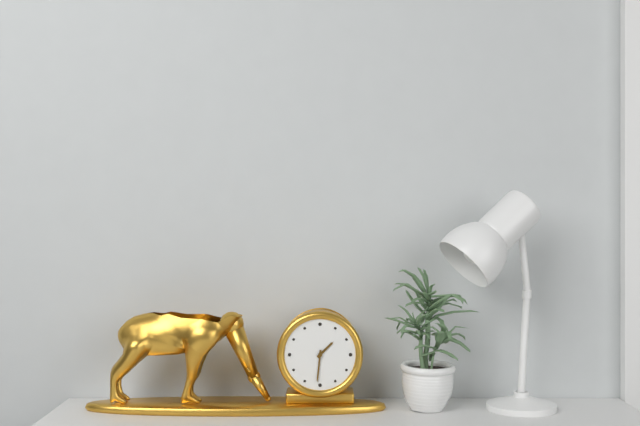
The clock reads 1:31
